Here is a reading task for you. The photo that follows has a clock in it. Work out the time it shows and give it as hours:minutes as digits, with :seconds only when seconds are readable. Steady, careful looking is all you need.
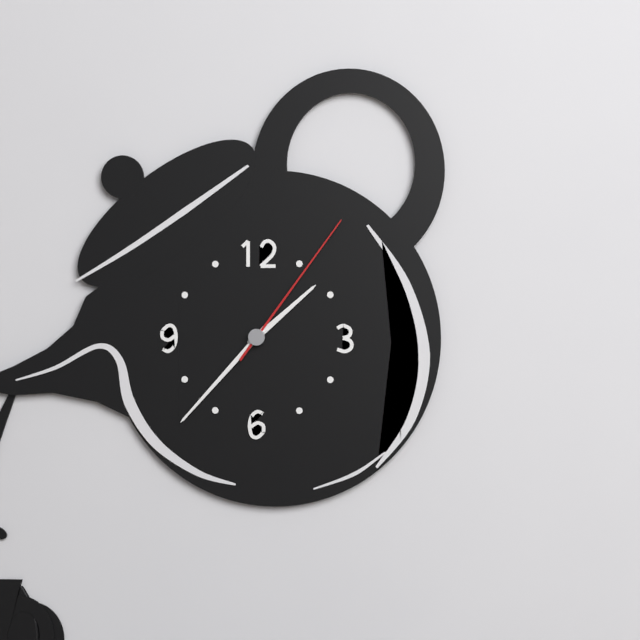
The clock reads 1:37:06
